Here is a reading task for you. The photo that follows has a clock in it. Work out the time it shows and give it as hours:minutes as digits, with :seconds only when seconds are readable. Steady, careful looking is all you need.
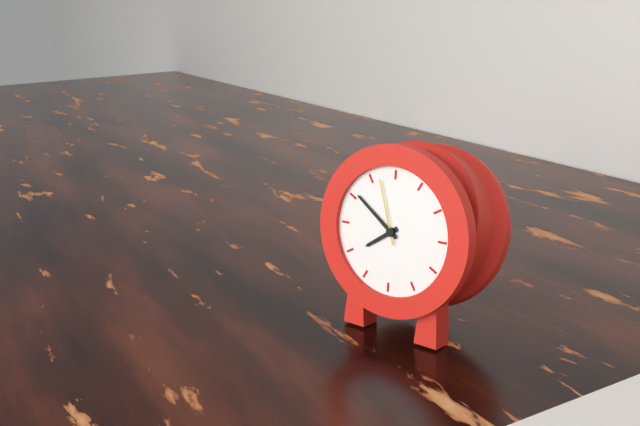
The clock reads 7:51:57
